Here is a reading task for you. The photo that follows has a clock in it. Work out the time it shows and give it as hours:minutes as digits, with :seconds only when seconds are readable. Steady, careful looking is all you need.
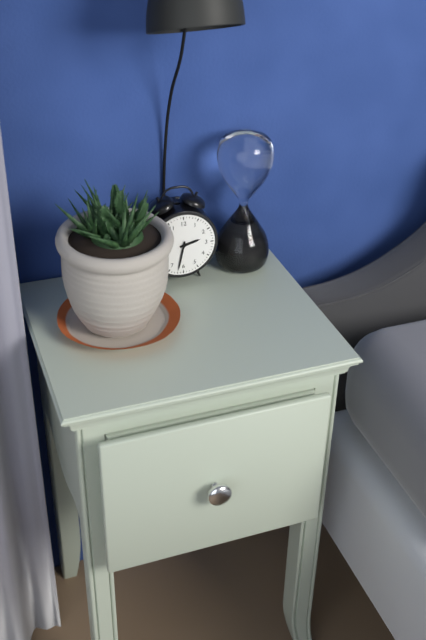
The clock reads 2:32
